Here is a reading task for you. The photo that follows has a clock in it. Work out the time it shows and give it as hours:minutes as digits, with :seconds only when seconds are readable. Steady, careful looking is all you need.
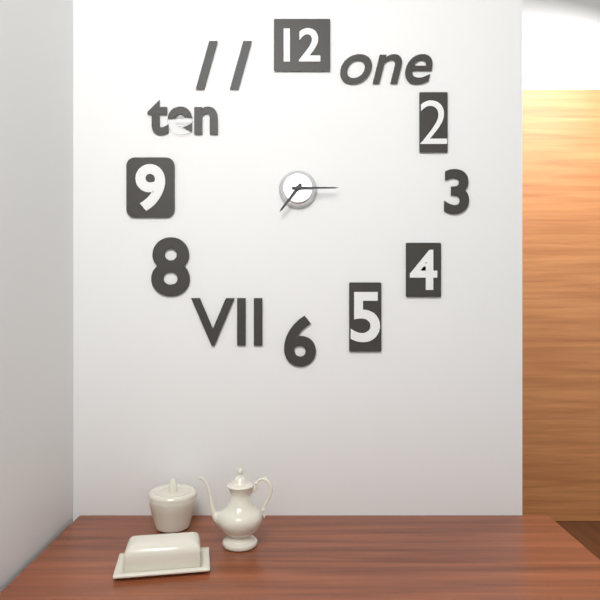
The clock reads 7:15
